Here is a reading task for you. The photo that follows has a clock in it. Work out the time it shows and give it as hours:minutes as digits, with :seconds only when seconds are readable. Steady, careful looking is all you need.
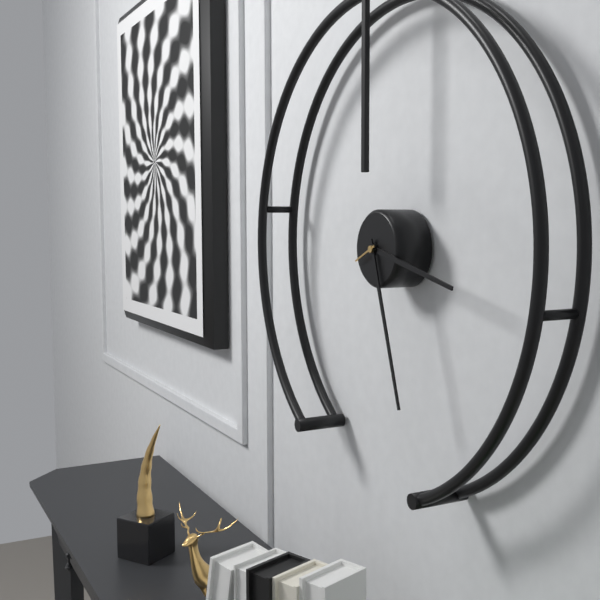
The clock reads 3:27
